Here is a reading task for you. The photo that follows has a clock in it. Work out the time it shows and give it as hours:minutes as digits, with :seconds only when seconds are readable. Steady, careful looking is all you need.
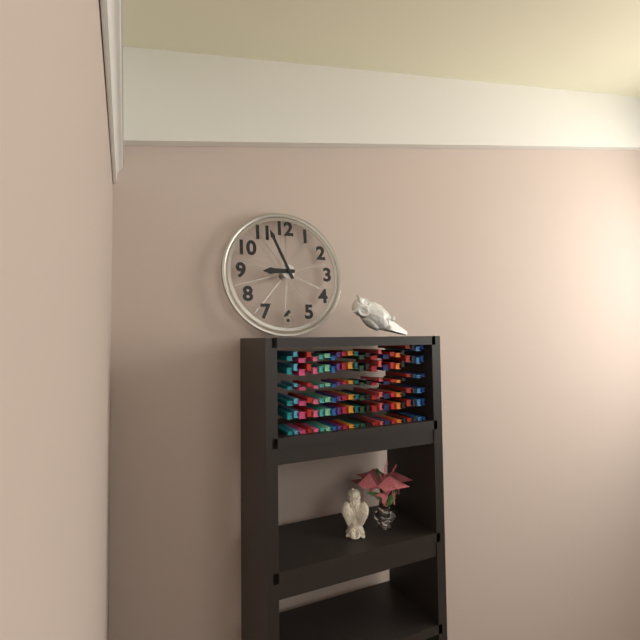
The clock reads 8:56
